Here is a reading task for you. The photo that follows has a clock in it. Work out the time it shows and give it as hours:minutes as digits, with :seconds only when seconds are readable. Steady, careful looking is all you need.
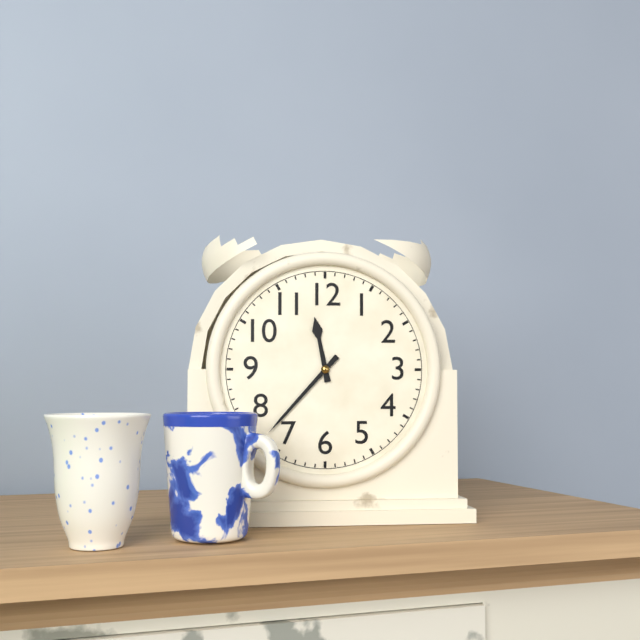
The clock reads 11:37
